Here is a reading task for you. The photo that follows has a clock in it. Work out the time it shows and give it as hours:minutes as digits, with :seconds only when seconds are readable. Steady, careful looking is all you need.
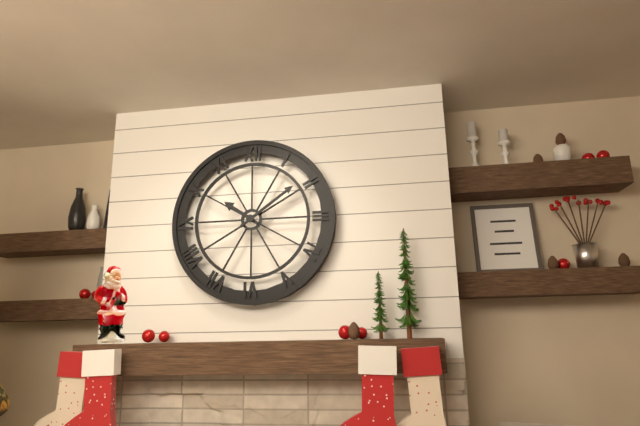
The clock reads 10:09
